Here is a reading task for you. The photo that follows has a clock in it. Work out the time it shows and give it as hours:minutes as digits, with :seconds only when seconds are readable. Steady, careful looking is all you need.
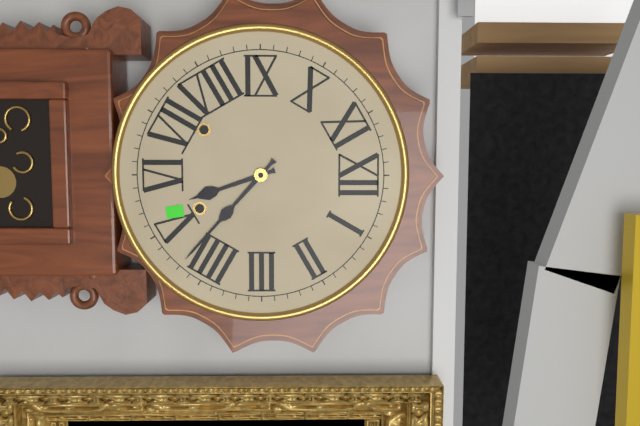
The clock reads 5:22
